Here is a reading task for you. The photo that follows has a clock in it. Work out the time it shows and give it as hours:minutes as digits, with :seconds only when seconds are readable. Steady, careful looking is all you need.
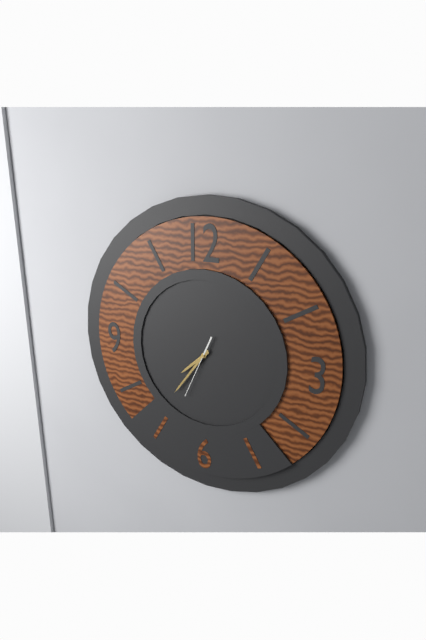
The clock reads 7:36:34
